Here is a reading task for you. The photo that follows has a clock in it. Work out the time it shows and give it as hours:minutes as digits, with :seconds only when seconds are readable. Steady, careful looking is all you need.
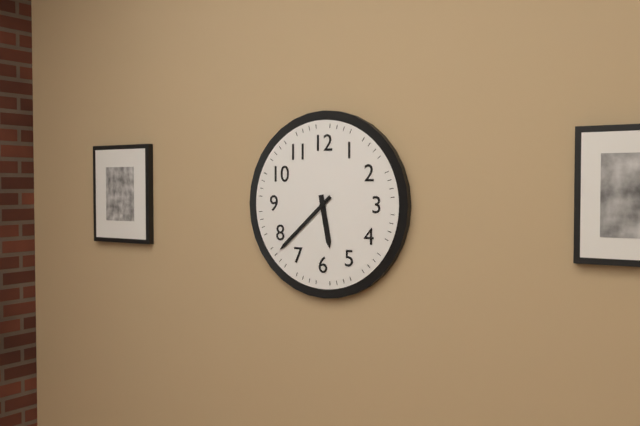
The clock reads 5:38
